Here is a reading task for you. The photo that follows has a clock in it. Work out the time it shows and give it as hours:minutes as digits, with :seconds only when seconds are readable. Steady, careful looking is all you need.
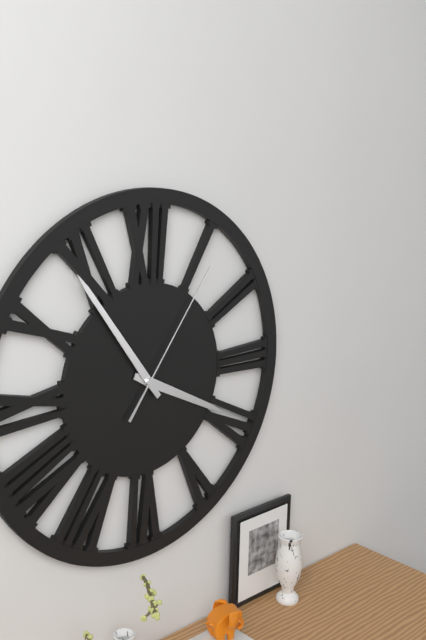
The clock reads 3:54:06
